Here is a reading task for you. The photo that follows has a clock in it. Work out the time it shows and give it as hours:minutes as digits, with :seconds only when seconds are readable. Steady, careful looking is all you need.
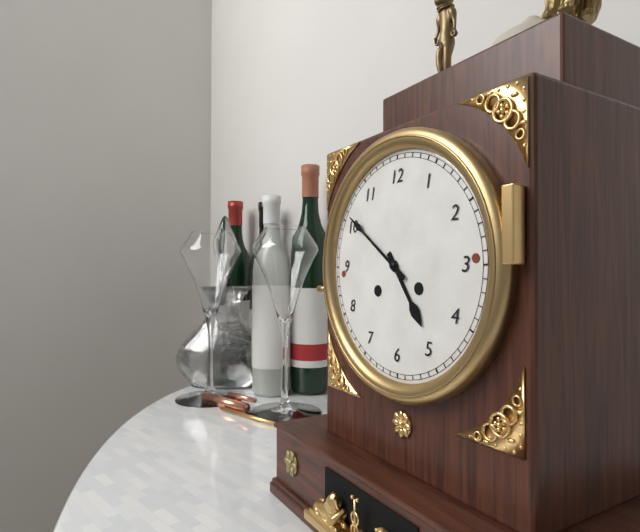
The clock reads 4:51
